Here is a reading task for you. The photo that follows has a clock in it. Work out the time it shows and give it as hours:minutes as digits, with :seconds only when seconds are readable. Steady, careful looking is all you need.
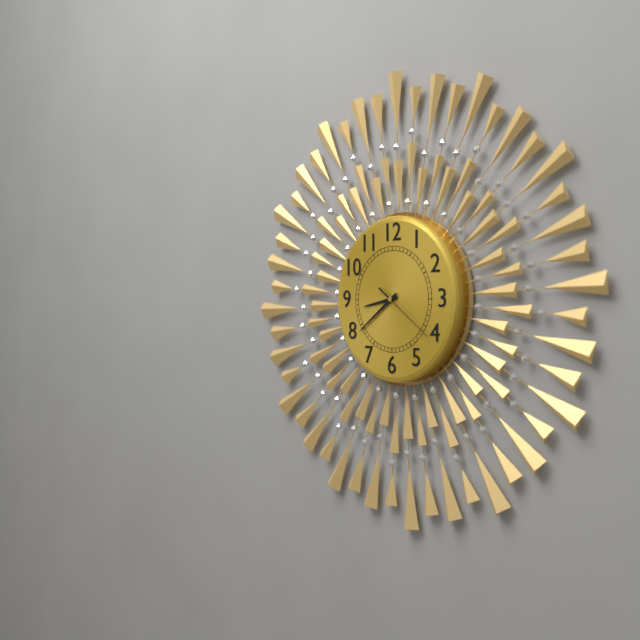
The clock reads 8:39:21
